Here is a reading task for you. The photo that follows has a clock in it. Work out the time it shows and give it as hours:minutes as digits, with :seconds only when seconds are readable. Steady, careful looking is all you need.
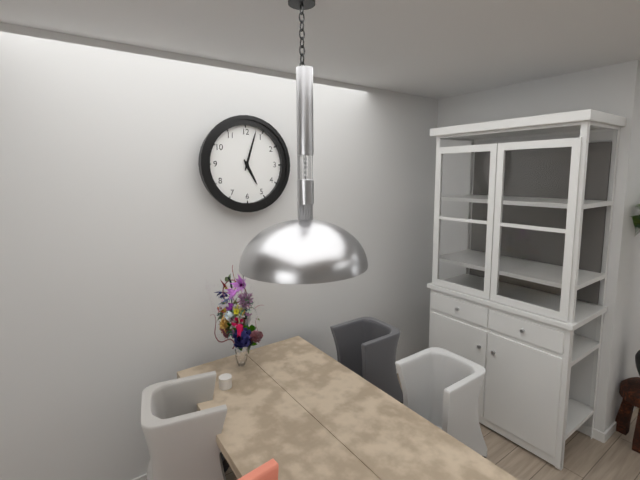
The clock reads 5:03
